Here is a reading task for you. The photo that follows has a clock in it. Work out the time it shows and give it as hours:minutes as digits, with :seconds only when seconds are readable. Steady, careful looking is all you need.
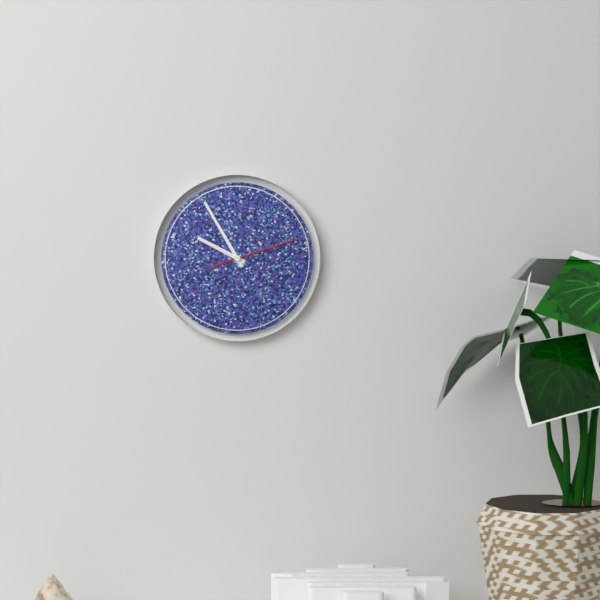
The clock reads 9:55:12
